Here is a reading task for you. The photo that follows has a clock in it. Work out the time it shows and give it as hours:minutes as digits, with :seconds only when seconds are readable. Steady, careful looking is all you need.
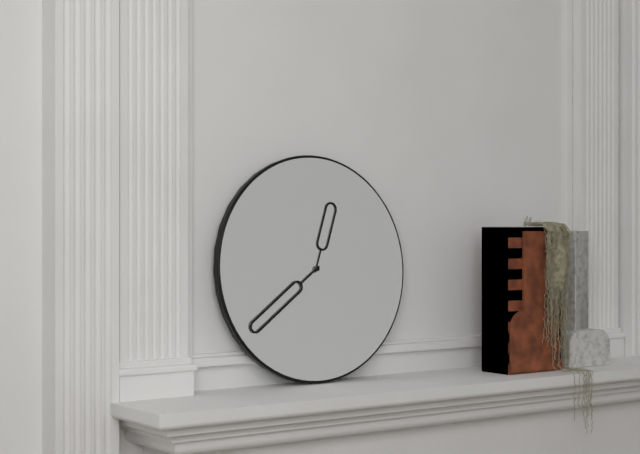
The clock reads 12:39
